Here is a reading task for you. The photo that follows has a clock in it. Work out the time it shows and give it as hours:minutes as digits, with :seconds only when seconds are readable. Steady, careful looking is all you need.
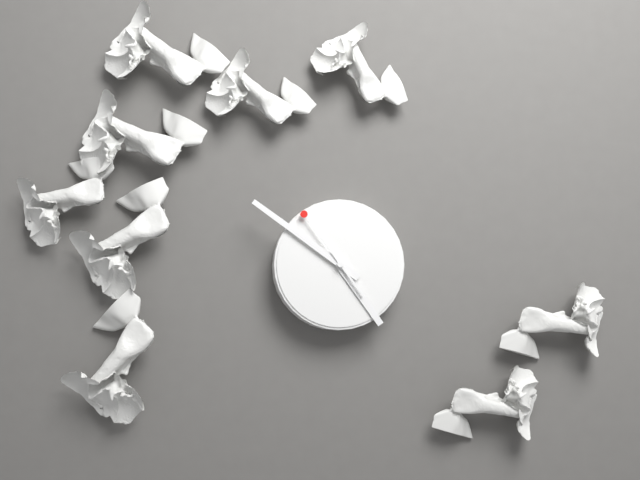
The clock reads 4:51:54
